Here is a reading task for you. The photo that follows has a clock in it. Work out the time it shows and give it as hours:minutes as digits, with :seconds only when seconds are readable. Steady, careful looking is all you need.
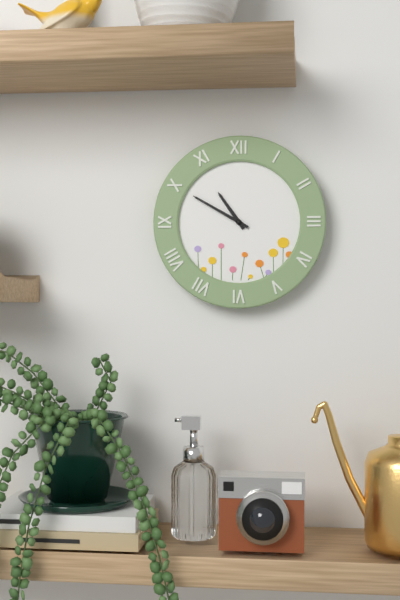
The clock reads 10:50
